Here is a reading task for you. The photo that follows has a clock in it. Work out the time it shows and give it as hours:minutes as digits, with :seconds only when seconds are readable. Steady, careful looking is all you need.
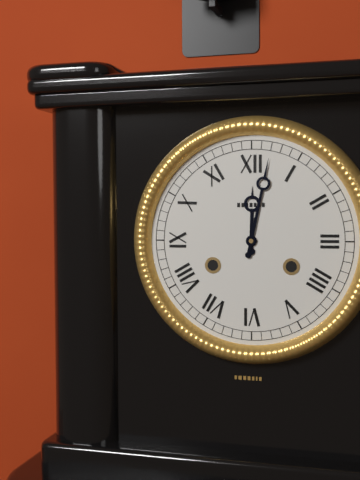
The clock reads 12:02
